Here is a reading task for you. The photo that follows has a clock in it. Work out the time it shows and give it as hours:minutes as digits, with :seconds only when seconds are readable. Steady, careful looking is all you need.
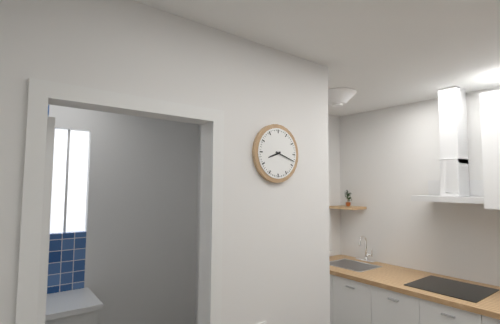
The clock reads 8:18
